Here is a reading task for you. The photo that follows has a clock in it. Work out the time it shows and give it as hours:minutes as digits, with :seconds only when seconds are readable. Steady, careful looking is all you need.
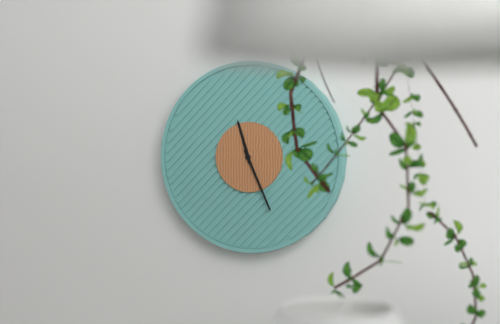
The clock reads 11:26
